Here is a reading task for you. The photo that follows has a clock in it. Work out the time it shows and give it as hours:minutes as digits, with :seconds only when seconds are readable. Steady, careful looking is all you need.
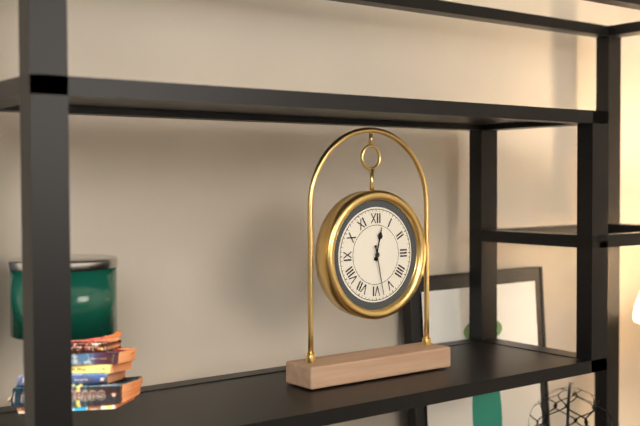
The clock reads 12:28
